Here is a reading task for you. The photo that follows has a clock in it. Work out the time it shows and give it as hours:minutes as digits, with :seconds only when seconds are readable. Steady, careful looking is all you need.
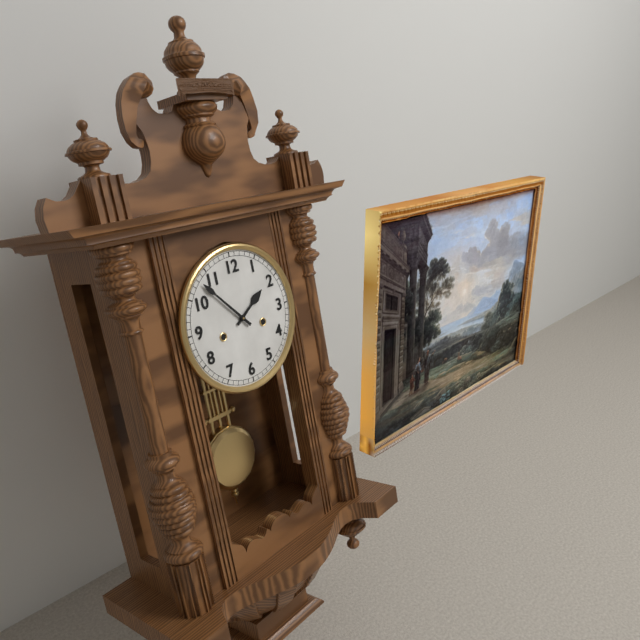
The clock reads 1:53
